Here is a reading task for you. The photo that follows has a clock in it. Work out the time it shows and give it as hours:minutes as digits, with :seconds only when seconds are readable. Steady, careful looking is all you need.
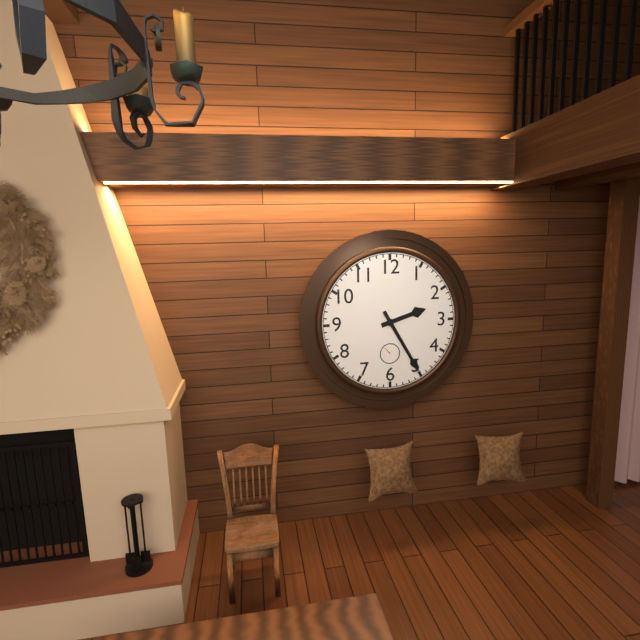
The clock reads 2:25
